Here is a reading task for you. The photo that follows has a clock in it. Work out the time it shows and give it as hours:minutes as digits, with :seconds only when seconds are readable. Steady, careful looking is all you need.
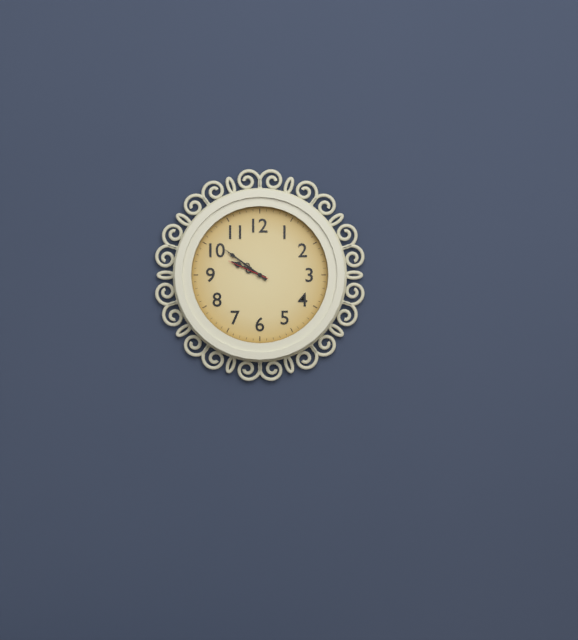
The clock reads 9:51
